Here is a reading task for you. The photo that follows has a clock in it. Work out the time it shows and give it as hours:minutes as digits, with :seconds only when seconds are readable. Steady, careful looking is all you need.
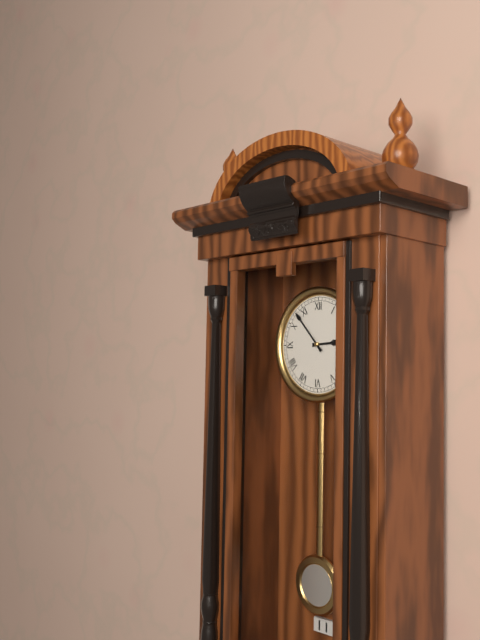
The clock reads 2:53
